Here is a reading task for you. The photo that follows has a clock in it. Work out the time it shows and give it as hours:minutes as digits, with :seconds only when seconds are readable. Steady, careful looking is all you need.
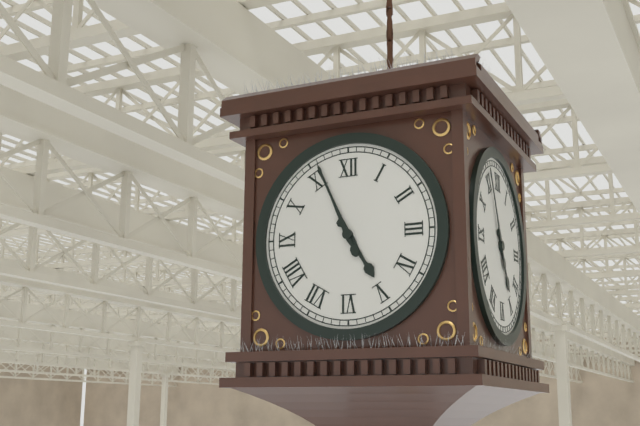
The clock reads 4:56
